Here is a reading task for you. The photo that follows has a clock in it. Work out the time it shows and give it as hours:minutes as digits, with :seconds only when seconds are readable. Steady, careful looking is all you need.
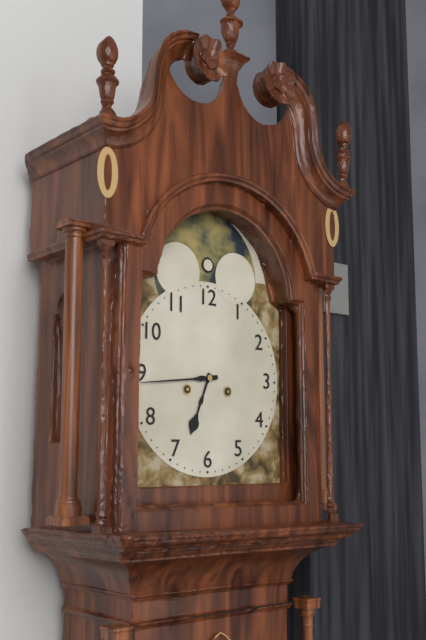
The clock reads 6:44
